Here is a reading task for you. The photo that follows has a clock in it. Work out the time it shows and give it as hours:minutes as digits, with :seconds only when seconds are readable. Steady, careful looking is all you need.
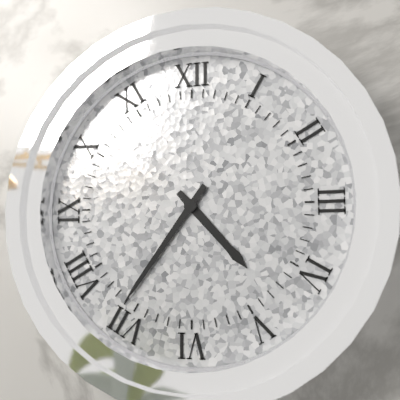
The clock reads 4:36
